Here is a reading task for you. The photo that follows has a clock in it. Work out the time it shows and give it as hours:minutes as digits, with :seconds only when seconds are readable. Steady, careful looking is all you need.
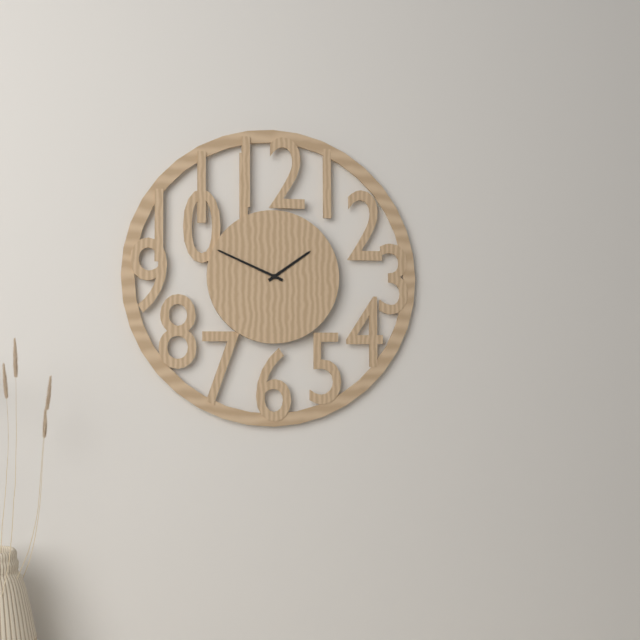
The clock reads 1:49
